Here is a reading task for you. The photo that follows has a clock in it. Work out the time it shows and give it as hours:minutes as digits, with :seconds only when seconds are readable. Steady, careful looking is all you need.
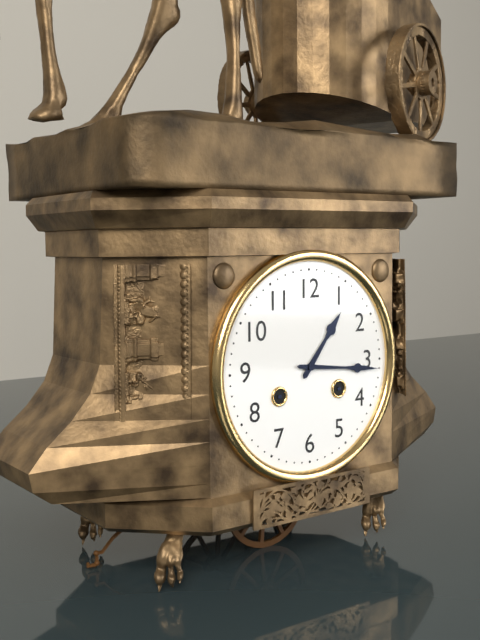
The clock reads 1:16
